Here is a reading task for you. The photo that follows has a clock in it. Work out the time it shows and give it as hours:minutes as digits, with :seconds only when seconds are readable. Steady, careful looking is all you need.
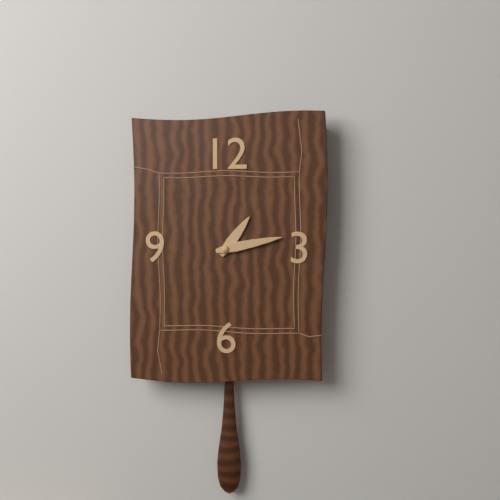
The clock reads 1:13
